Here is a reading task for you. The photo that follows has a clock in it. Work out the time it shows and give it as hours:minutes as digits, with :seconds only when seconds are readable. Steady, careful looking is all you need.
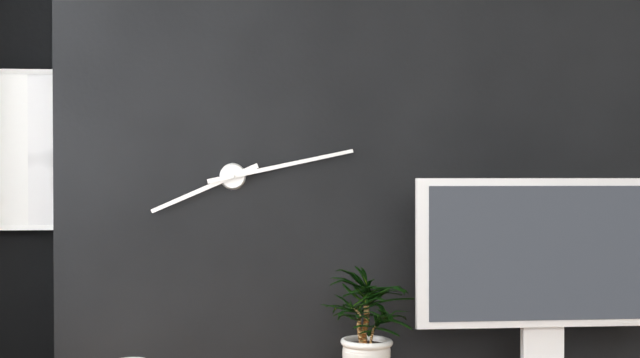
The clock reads 8:13
